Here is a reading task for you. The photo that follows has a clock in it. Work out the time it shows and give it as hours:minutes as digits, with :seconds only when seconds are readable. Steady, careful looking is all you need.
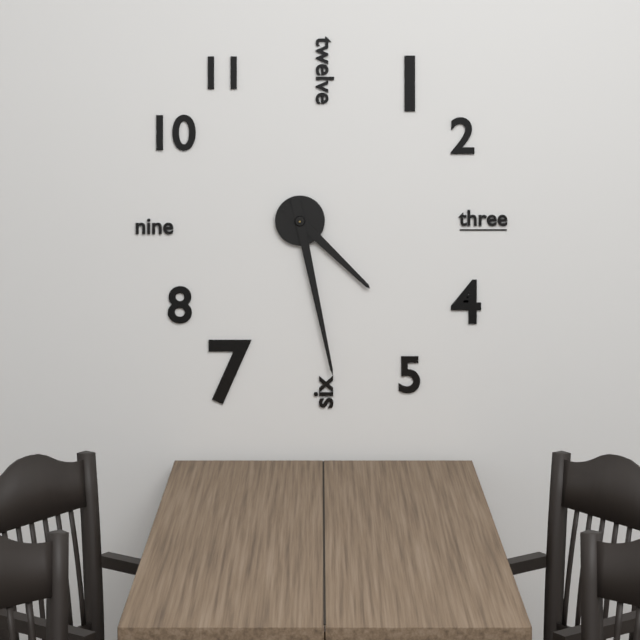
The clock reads 4:28
